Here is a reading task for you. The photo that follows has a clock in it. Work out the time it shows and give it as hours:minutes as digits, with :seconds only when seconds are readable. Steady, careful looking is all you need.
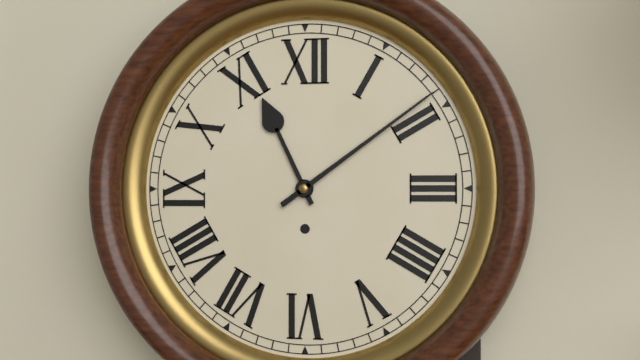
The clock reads 11:09
